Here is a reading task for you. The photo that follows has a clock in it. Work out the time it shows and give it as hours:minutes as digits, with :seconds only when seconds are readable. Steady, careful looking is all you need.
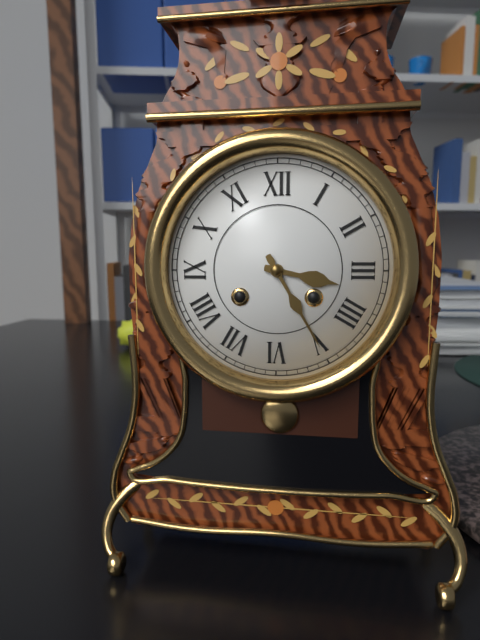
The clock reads 3:25
